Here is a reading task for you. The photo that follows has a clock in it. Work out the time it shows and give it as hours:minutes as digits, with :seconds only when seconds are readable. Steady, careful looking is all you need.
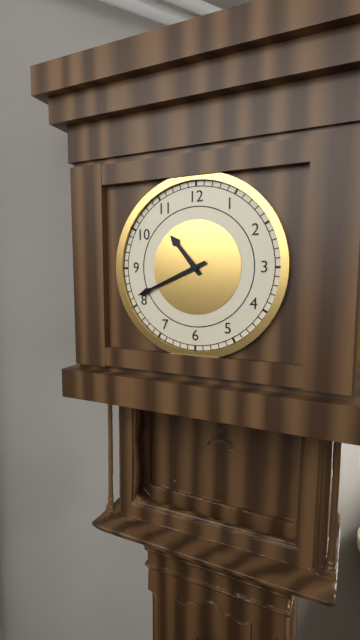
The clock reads 10:41
